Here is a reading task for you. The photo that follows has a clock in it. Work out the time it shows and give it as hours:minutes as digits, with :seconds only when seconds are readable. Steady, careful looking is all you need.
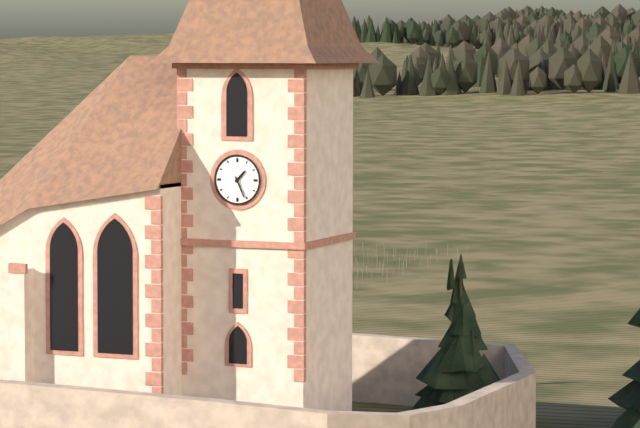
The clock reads 1:26
